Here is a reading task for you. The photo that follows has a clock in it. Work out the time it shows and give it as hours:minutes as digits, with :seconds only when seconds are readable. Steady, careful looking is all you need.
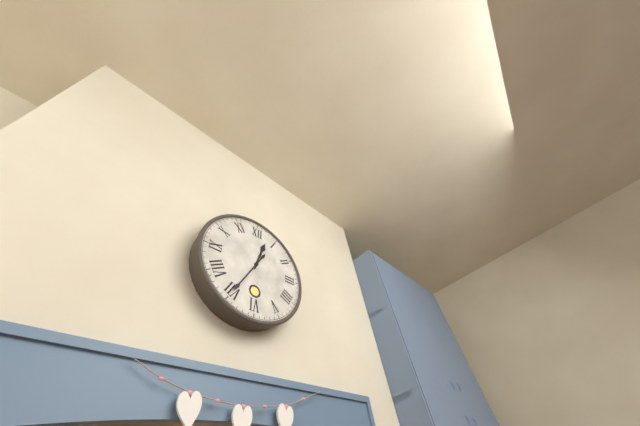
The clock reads 12:35
